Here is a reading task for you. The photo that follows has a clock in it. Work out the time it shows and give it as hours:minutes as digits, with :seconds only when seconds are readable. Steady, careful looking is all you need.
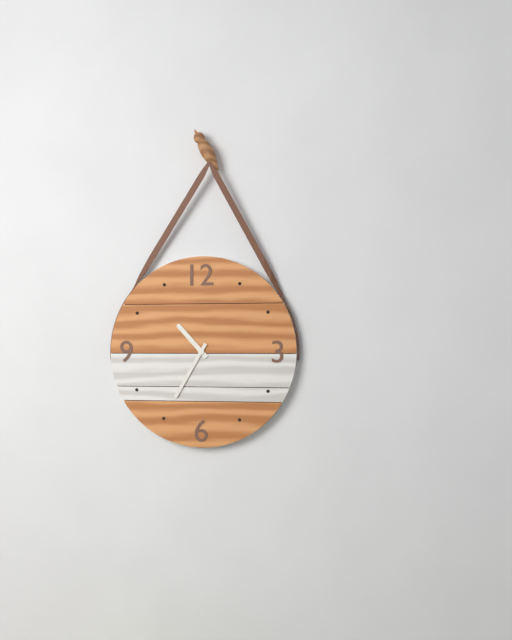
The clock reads 10:35
